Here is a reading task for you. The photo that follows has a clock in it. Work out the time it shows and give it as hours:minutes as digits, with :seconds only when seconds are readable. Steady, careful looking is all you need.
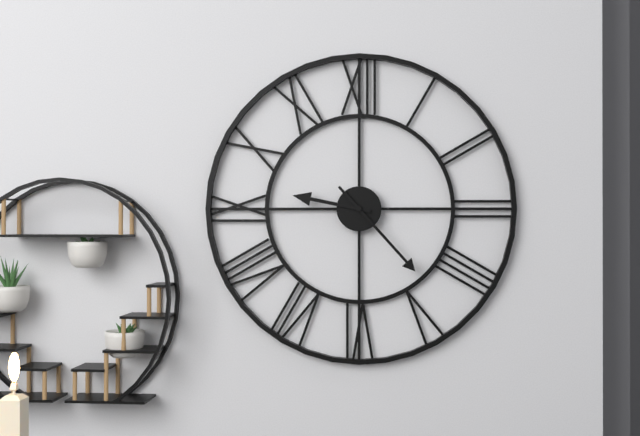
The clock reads 9:23
